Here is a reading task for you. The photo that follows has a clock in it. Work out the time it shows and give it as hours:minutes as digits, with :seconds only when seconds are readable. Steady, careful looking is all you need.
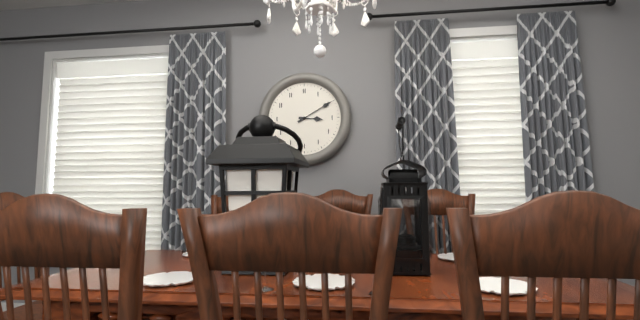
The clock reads 3:10
